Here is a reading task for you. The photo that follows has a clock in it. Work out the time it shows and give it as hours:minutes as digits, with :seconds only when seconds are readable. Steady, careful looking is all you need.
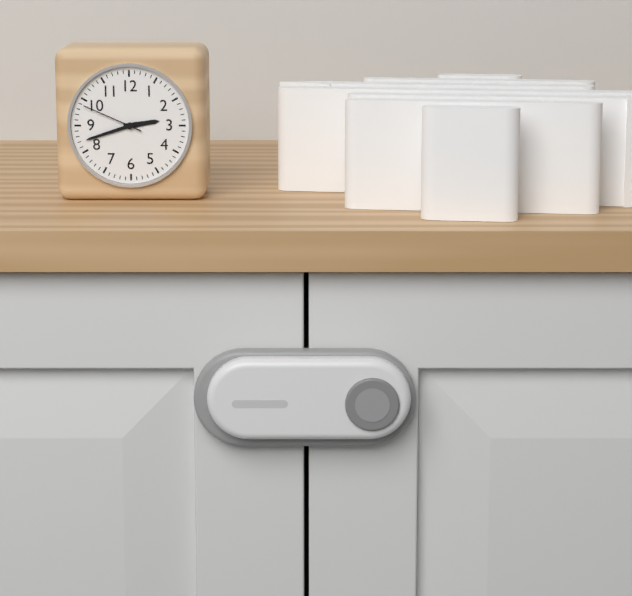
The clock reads 2:42:49
